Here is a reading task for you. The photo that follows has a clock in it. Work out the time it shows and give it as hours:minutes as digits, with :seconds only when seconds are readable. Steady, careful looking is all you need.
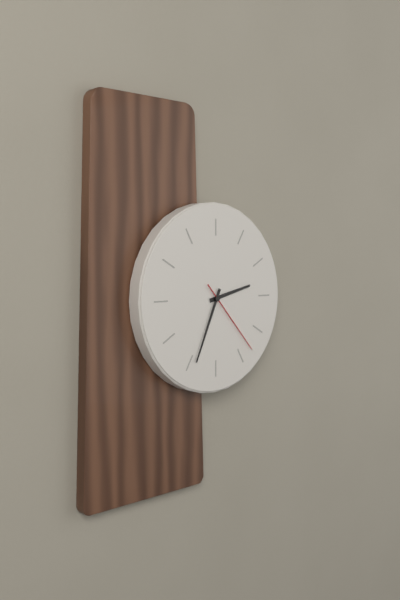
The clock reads 2:34:23
